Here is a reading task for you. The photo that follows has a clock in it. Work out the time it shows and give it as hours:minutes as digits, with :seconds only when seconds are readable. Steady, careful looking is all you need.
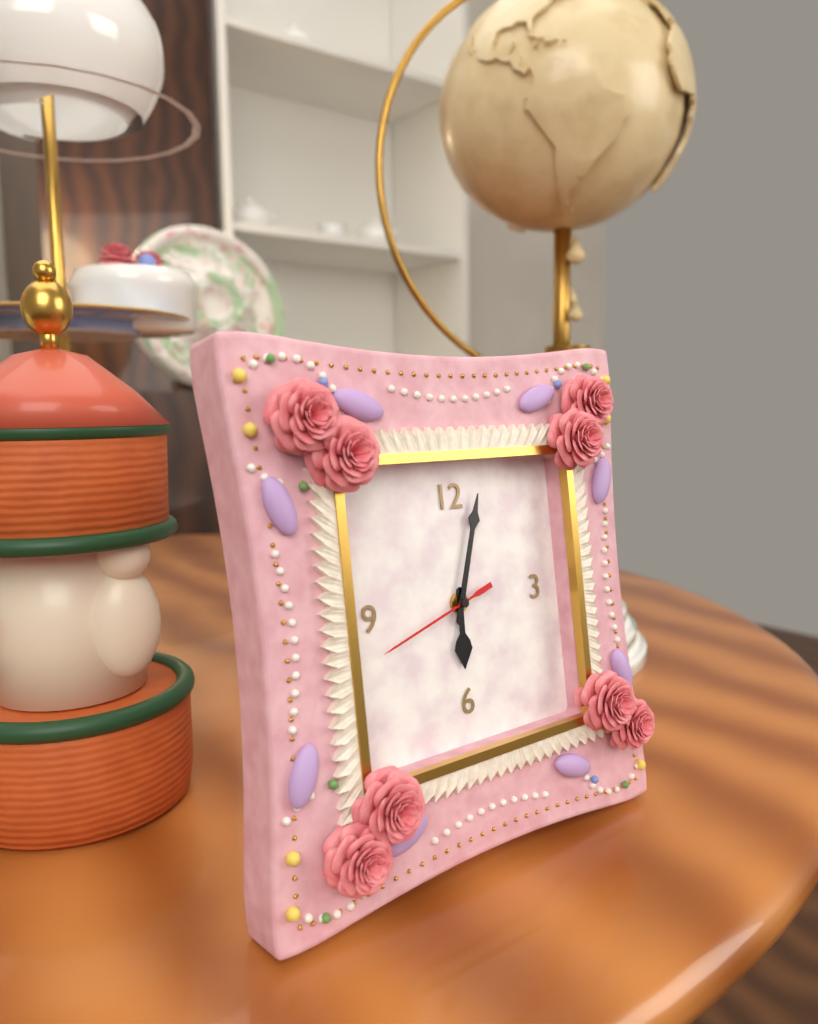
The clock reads 6:03:42
